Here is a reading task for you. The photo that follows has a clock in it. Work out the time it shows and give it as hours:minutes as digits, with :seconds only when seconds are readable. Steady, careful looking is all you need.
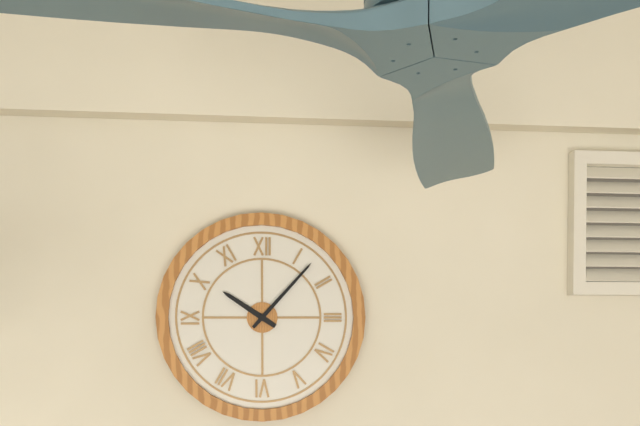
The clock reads 10:07
